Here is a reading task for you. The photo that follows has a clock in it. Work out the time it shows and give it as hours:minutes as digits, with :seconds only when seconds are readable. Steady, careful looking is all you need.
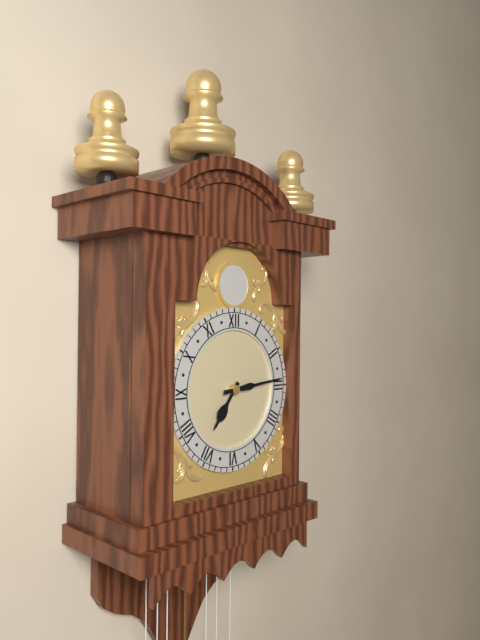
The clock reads 7:14
